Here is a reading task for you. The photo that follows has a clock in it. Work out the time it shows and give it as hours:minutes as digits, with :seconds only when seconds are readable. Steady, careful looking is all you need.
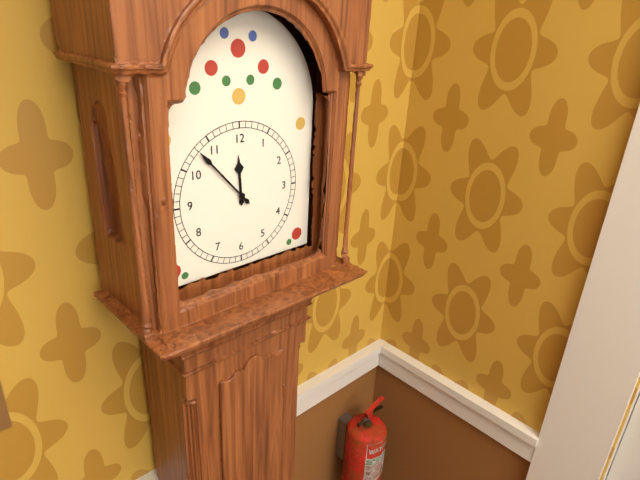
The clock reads 11:53
